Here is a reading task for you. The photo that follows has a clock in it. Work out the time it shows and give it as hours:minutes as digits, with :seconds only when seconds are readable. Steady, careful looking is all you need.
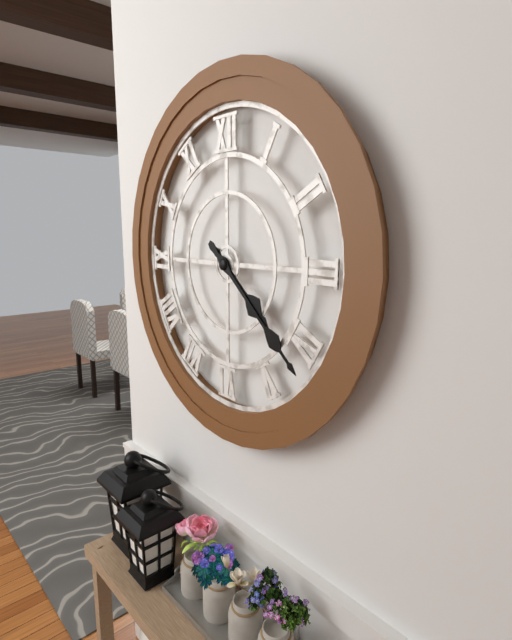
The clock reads 4:22
